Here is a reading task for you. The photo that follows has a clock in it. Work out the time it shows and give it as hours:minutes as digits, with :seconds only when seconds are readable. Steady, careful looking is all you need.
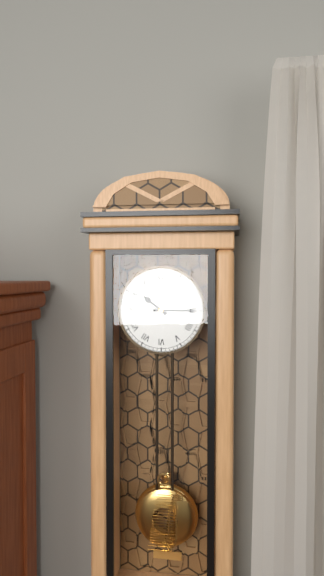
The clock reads 10:15
